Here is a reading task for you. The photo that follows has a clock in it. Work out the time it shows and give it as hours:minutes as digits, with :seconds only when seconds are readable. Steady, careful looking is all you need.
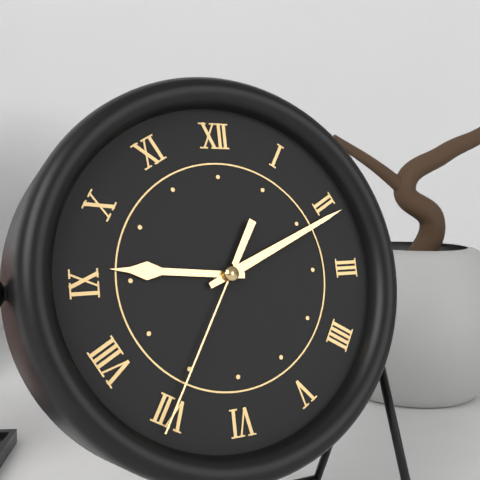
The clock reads 9:11:35
